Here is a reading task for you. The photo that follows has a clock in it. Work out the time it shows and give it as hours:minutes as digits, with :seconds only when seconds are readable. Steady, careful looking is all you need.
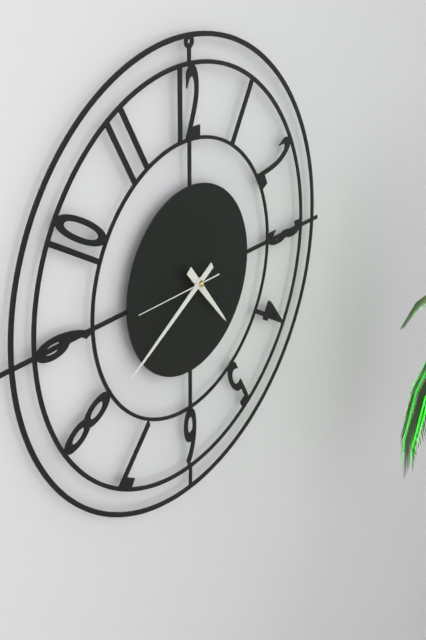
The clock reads 4:40:45
